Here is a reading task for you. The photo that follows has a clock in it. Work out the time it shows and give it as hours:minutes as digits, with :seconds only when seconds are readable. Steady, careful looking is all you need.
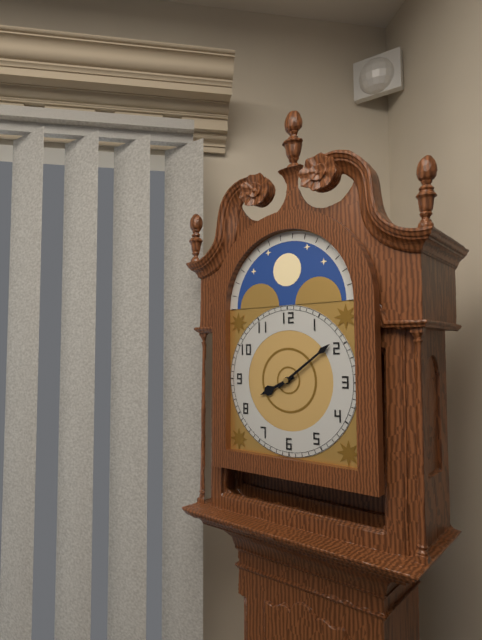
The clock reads 8:09
